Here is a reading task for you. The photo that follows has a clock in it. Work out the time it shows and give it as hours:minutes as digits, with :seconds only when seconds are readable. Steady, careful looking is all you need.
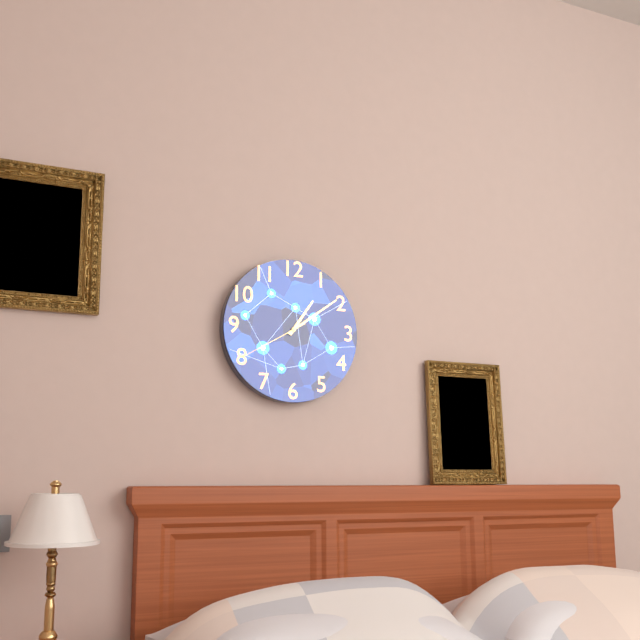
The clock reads 1:09:40
